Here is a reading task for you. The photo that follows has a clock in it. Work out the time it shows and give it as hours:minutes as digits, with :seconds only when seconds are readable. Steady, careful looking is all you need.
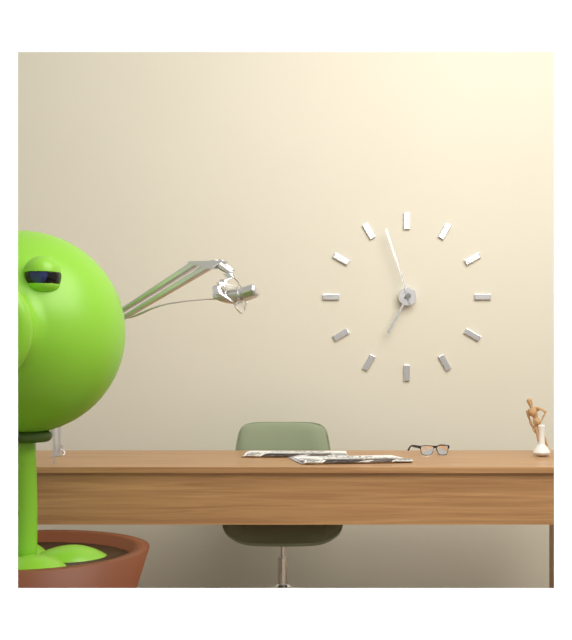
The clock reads 6:57
